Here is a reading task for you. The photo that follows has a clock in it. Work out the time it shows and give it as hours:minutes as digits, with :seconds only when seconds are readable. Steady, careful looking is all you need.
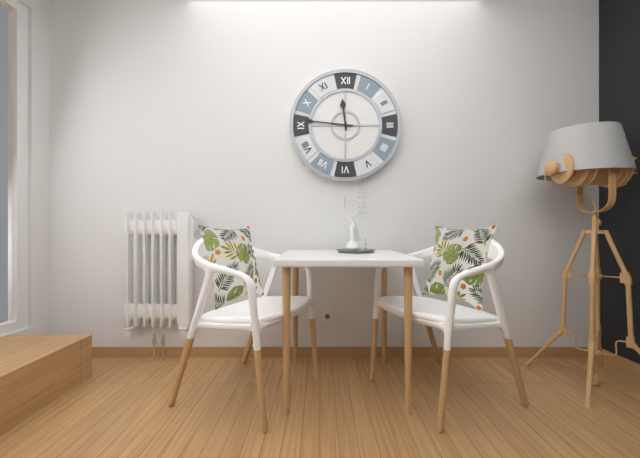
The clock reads 11:46
